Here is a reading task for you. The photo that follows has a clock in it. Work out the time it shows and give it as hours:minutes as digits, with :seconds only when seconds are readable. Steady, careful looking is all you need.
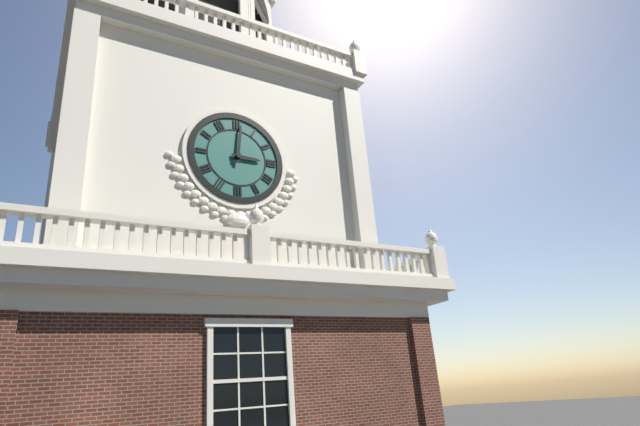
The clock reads 3:01
